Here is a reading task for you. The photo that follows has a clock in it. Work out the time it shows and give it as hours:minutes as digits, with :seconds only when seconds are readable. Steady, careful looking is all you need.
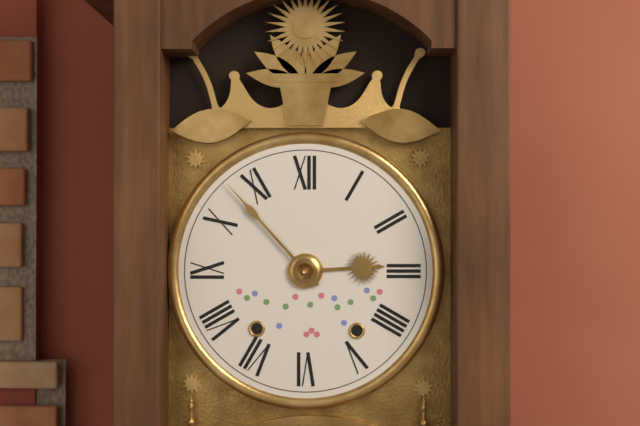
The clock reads 2:53
